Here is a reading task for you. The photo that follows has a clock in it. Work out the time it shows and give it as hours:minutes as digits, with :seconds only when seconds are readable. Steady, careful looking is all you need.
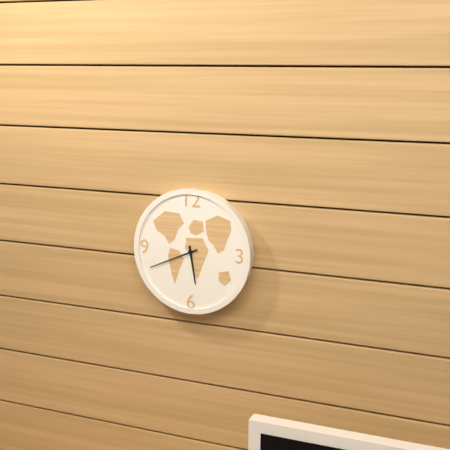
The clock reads 5:41
